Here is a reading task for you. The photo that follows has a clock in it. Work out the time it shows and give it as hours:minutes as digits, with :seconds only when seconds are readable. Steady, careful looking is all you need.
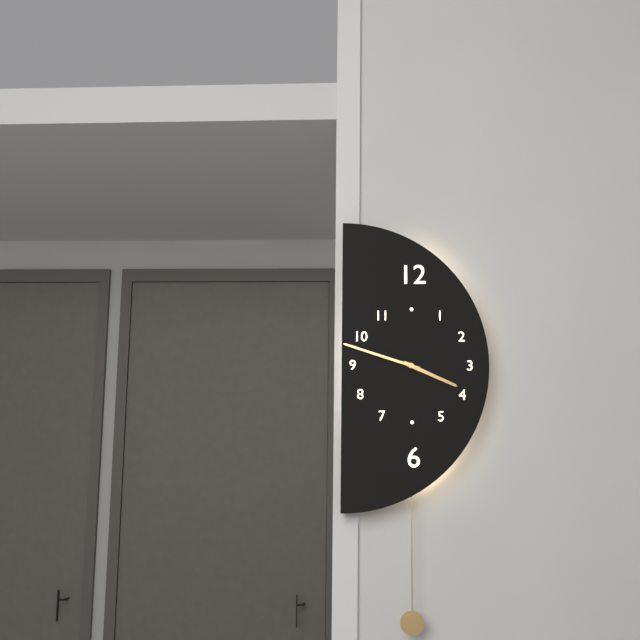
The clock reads 3:48
